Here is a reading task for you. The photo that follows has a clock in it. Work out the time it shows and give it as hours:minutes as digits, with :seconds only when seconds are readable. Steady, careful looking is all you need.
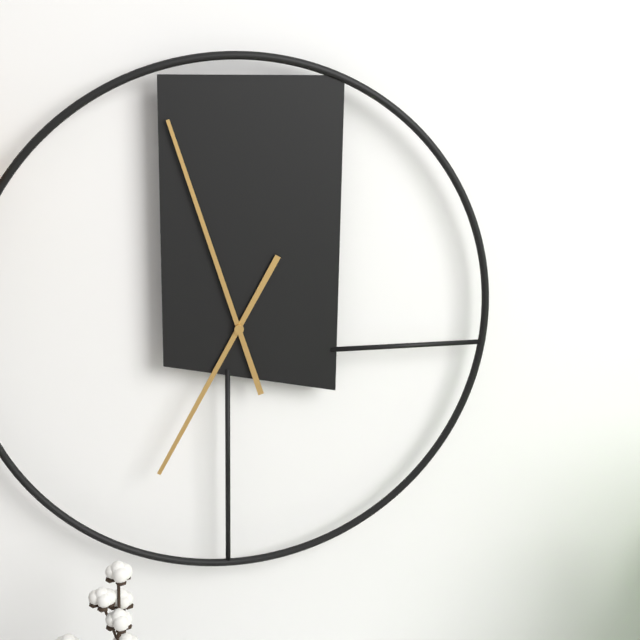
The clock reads 6:57
